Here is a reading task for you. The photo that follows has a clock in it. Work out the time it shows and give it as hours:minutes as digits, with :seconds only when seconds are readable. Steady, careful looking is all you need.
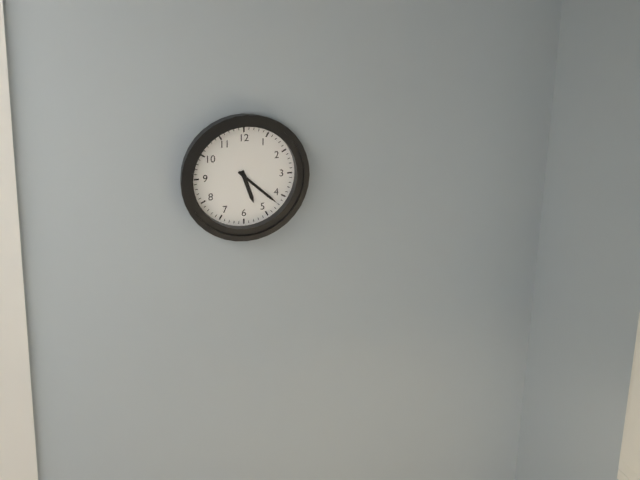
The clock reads 5:22
